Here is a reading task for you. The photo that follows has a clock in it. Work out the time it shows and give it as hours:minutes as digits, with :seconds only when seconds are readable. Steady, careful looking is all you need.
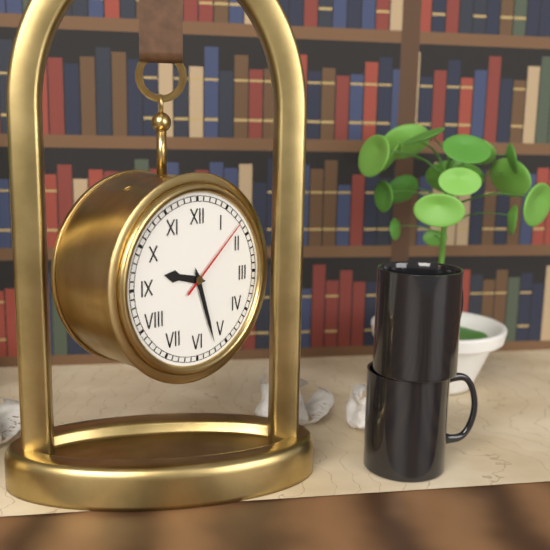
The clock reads 9:27:08
